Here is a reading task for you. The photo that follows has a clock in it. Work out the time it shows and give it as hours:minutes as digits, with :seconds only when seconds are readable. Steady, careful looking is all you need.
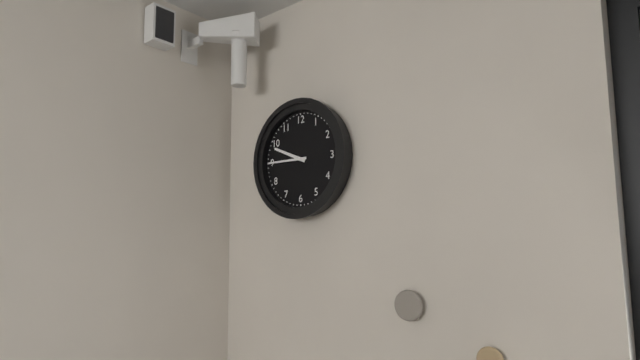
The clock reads 9:45
